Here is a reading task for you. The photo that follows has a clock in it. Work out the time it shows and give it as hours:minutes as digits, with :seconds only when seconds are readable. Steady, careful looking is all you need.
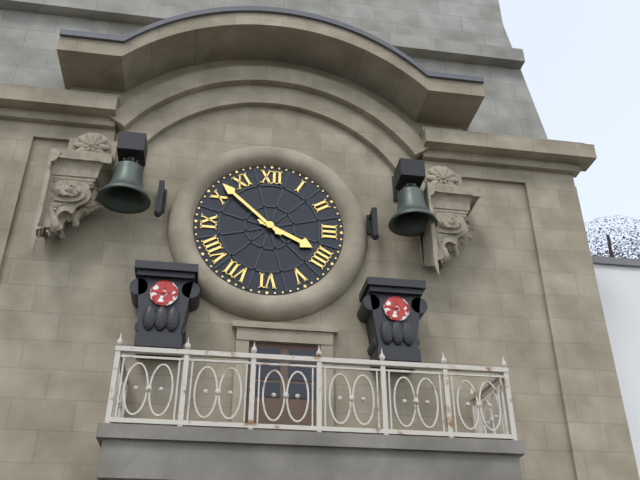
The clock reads 3:52
